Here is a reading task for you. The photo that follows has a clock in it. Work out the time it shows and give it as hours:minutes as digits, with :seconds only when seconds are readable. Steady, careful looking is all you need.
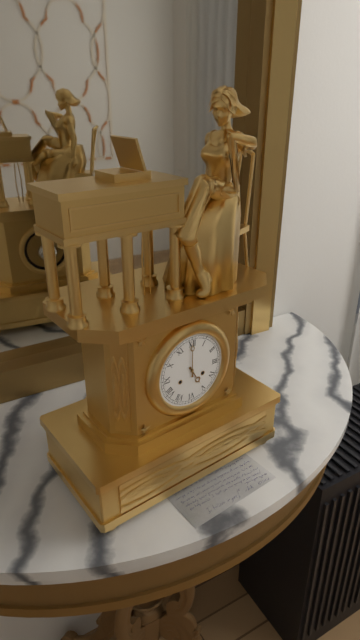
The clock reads 5:00
